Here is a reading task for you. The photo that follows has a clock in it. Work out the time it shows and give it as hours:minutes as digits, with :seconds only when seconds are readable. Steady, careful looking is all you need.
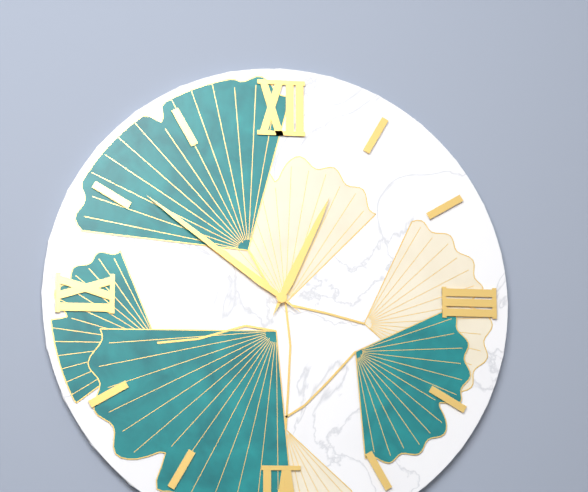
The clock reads 12:51
